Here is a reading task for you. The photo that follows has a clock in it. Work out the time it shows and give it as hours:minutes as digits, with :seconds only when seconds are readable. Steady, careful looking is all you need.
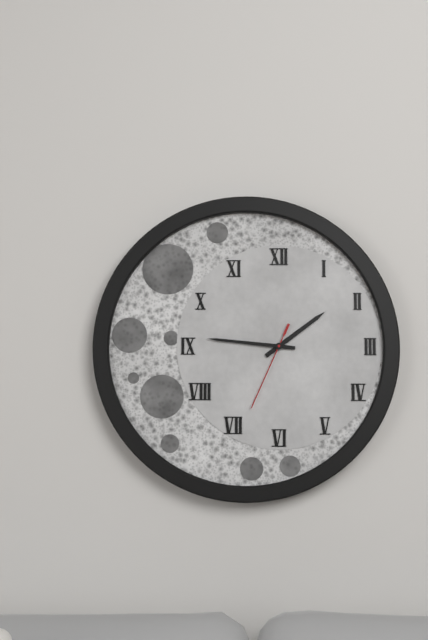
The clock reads 1:46:34
